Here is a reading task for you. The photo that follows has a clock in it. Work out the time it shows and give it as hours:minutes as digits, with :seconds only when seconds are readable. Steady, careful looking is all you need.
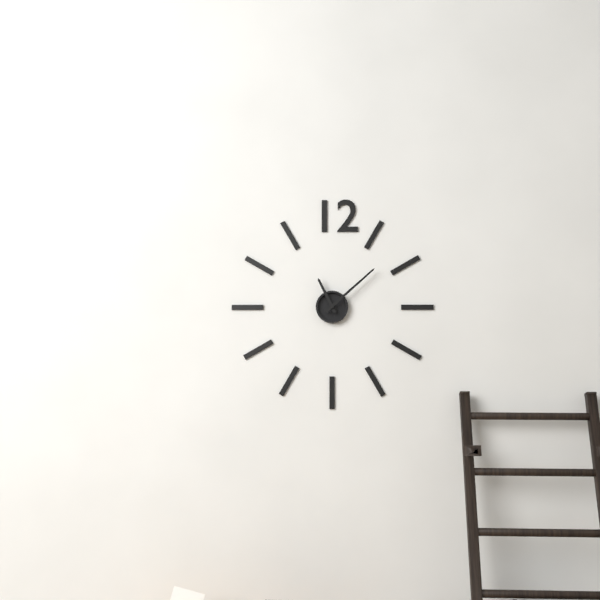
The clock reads 11:08
